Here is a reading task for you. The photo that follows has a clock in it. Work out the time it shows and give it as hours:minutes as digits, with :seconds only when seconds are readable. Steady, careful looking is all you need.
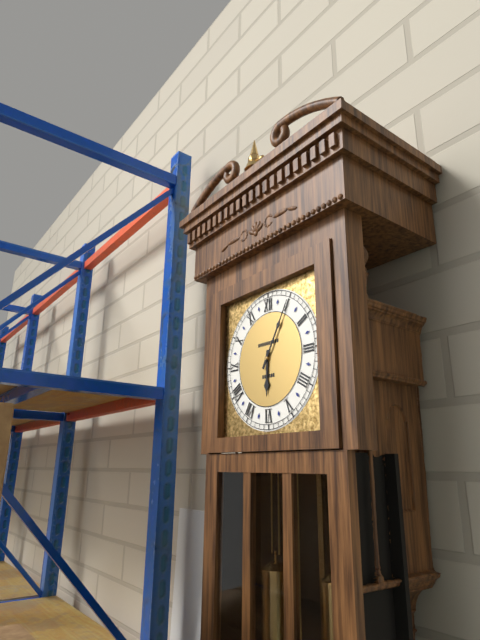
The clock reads 6:05
